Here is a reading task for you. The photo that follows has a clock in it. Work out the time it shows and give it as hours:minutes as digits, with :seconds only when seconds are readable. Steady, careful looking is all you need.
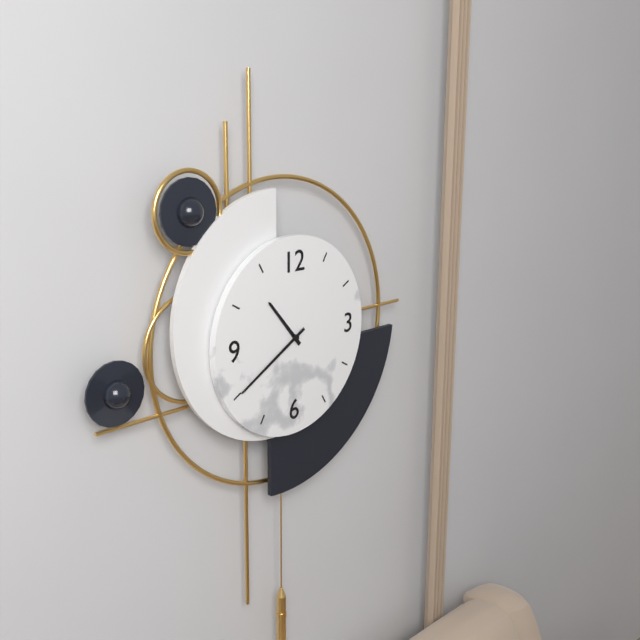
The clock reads 10:40
